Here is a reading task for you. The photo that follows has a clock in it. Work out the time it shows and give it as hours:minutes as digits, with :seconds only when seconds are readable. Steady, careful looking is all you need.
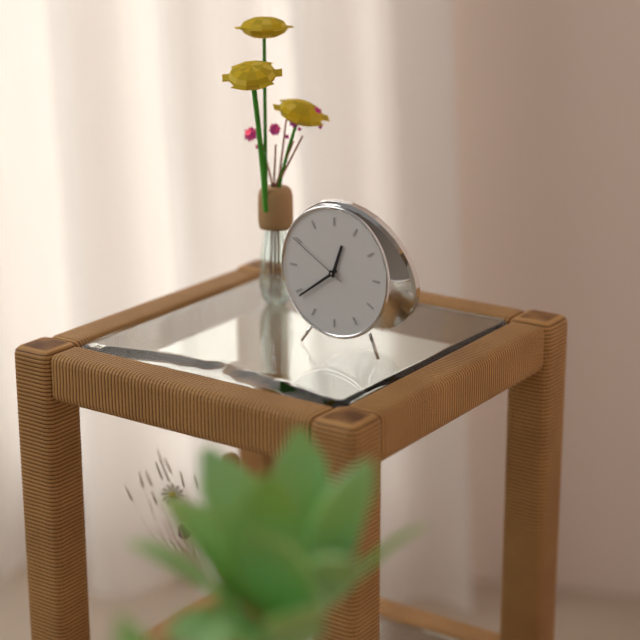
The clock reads 12:39:50
